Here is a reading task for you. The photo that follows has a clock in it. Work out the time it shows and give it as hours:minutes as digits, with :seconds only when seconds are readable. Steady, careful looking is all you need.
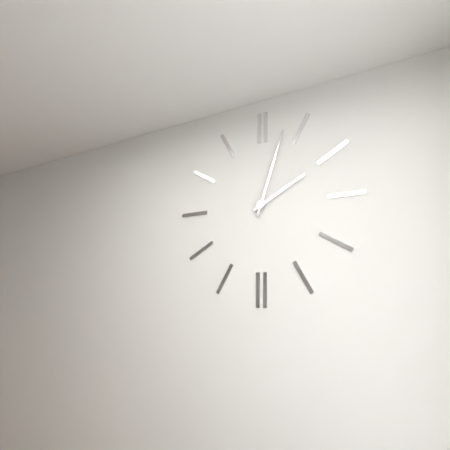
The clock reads 2:03
